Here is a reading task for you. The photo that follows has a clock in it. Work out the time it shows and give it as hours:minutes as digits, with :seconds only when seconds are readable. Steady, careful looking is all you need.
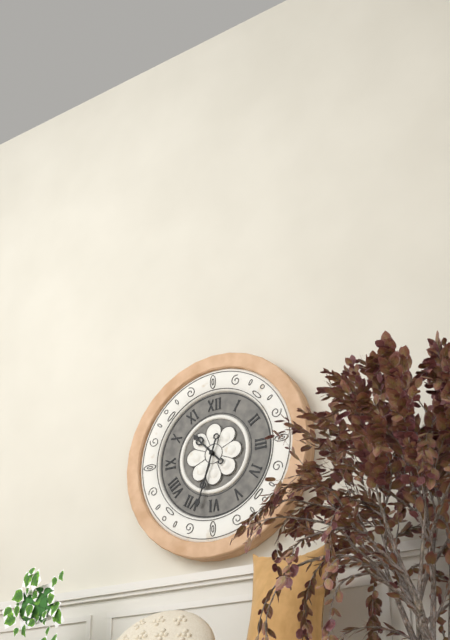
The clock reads 10:33
